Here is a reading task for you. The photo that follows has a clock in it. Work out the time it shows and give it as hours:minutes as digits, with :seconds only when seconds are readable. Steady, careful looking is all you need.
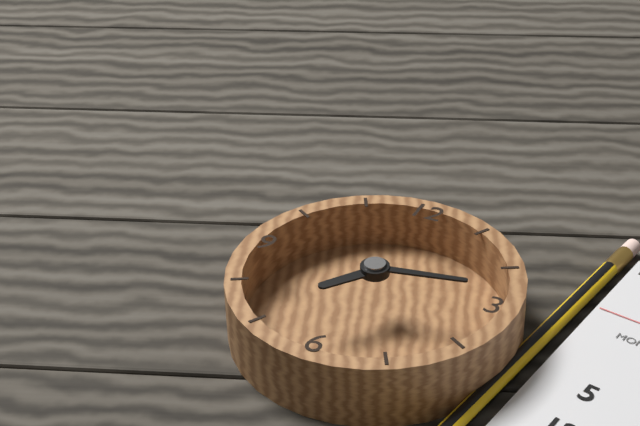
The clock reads 7:13
